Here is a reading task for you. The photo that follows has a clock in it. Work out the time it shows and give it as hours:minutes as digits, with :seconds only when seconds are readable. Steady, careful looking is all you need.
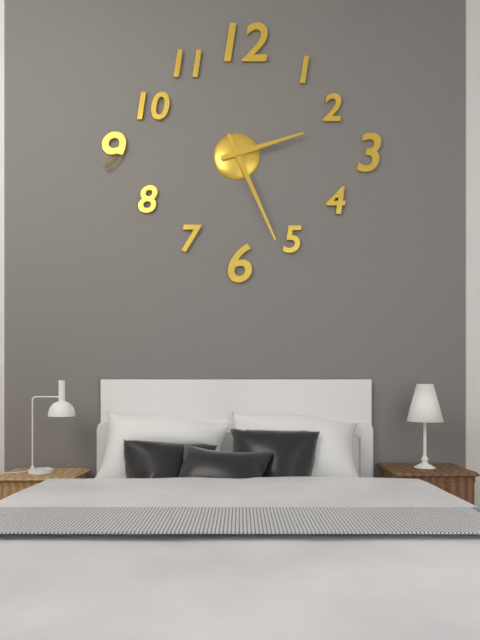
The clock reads 2:26
